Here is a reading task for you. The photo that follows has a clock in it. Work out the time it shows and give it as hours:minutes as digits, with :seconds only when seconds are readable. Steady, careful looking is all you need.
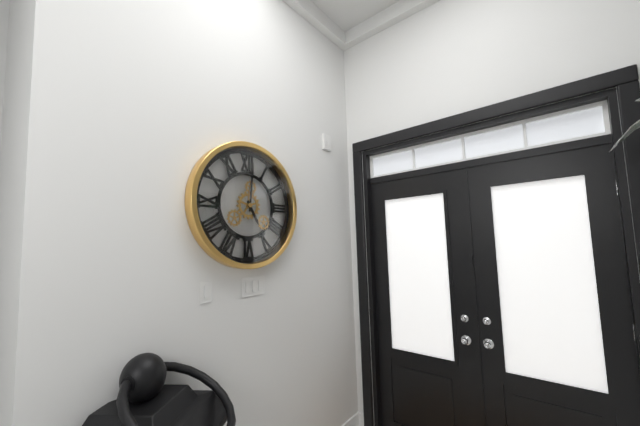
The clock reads 5:01
